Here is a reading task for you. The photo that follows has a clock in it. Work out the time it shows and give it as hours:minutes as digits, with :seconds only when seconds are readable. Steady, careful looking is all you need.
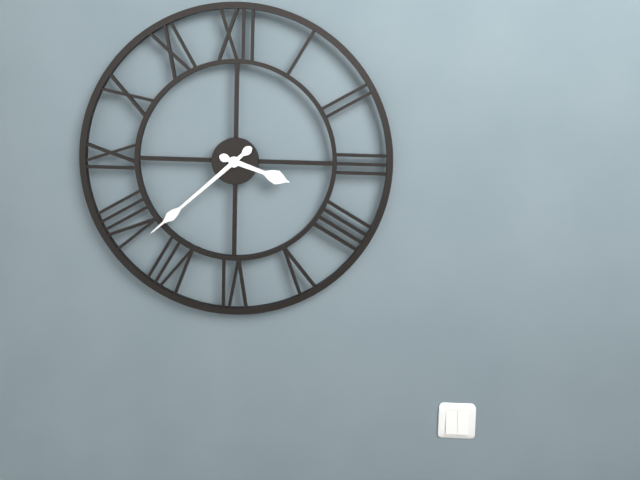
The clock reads 3:38
